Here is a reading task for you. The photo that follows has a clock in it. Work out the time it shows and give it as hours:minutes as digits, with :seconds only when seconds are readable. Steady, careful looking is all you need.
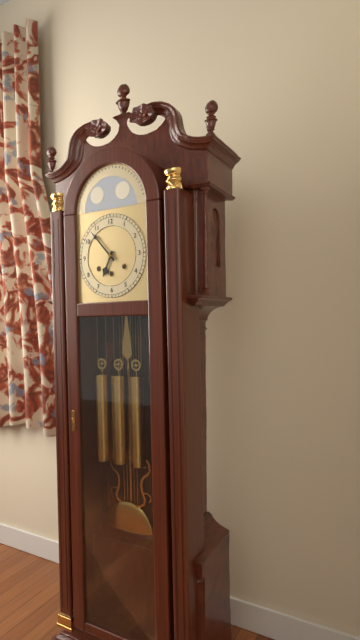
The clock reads 6:53
